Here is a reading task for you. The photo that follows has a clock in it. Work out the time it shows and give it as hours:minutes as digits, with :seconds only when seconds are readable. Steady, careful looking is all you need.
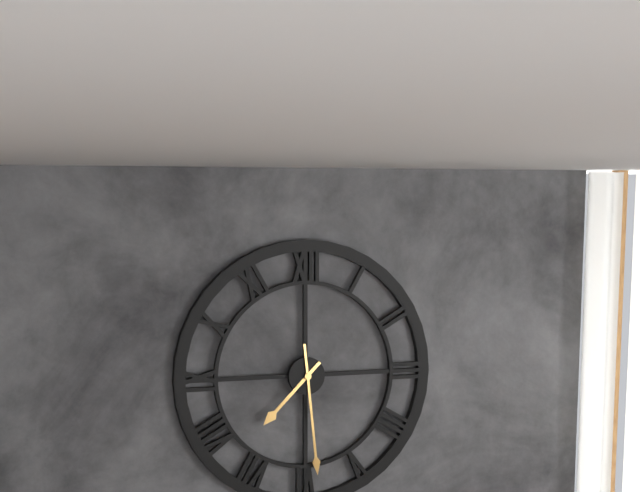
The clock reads 7:29
